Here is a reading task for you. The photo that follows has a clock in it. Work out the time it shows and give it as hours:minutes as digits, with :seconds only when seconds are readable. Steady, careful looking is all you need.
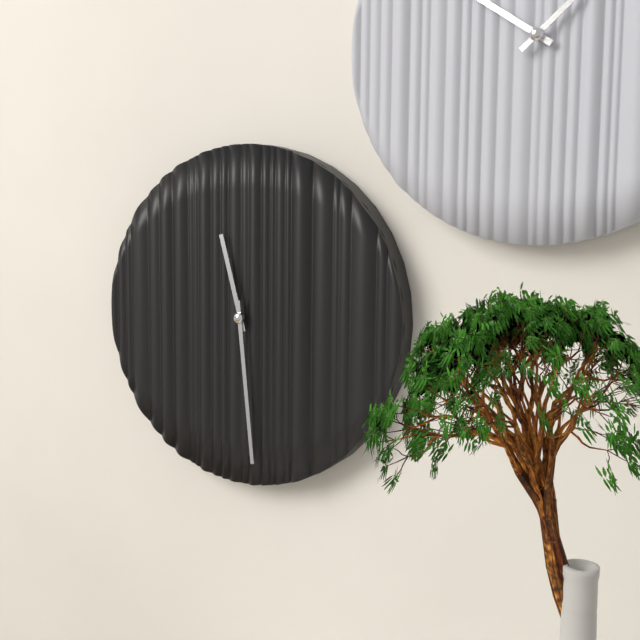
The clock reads 11:29
